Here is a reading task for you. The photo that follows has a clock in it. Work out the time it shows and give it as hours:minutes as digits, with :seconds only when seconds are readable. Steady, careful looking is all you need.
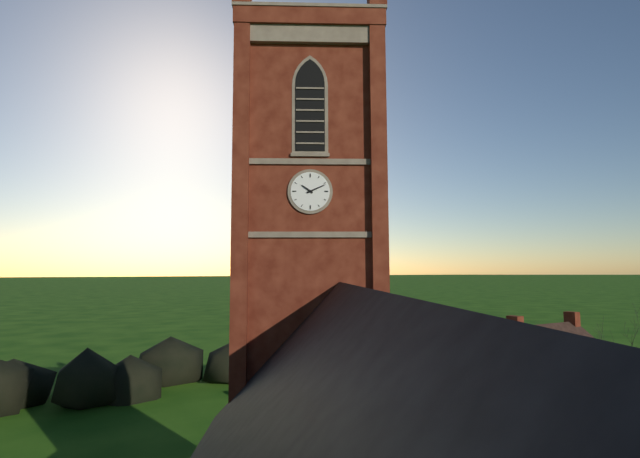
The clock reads 10:11
